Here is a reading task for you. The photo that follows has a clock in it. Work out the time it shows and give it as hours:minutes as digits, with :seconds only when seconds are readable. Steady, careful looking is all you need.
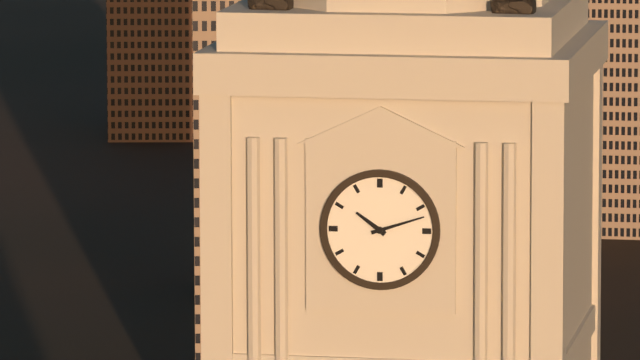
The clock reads 10:12
